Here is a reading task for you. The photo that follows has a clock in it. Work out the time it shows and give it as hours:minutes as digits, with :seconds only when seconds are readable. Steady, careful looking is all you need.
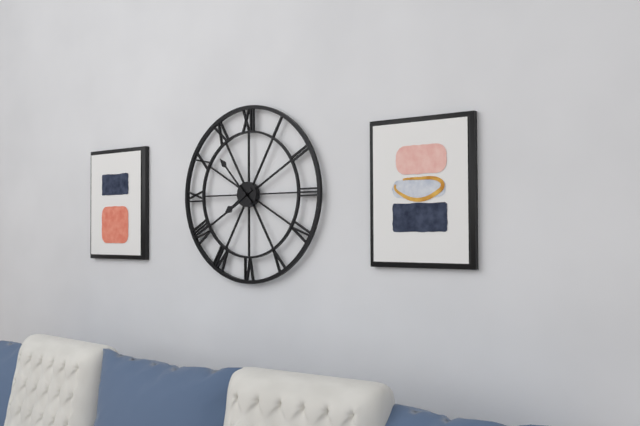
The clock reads 7:53
